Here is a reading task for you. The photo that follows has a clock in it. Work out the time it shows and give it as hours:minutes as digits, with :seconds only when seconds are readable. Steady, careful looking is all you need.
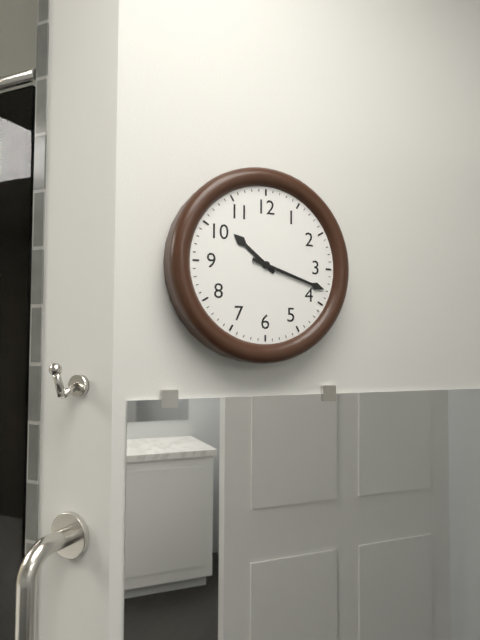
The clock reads 10:18
